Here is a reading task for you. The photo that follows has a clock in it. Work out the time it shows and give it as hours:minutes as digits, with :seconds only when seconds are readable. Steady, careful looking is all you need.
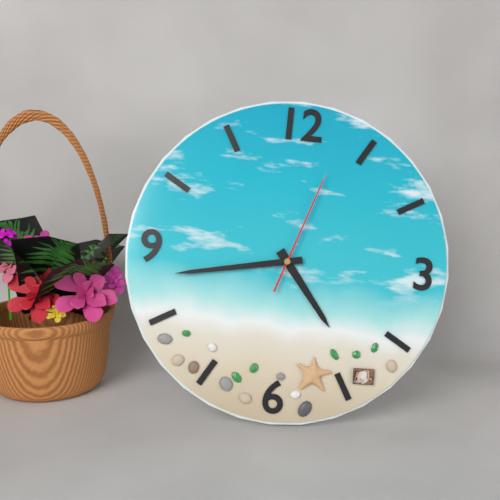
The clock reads 4:43:03
